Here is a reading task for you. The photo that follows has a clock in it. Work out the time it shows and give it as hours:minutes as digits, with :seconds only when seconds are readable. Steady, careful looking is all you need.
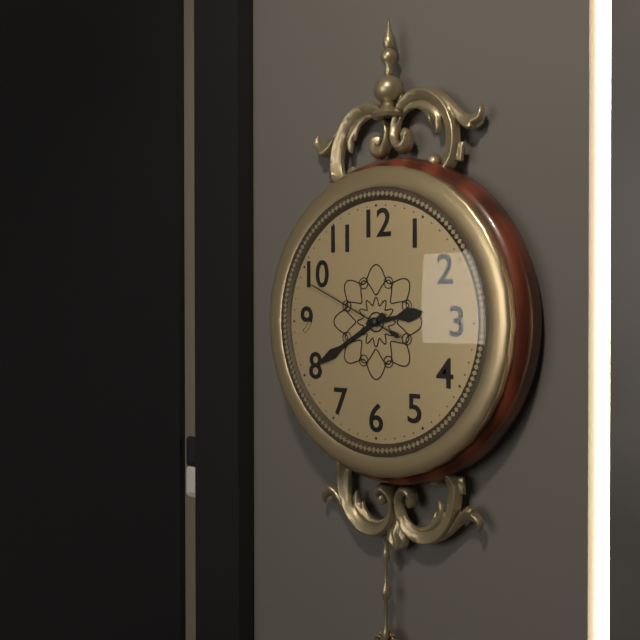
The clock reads 2:40:49
